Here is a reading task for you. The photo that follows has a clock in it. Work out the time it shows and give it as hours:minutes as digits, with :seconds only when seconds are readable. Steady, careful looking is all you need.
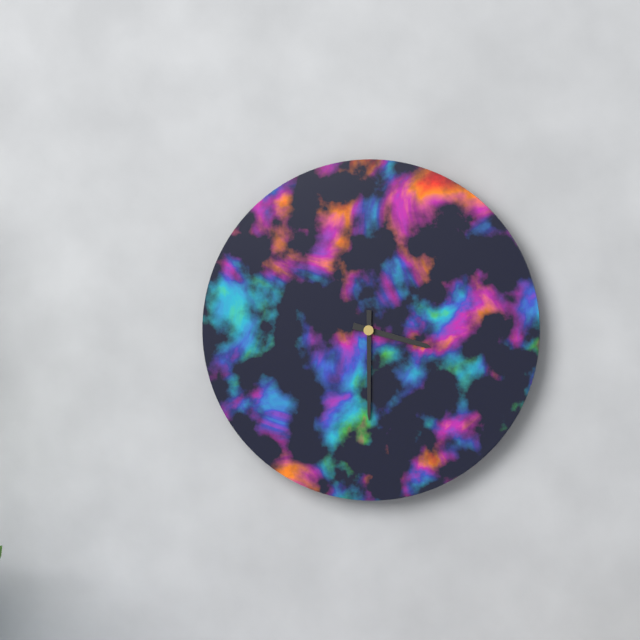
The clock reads 3:30
